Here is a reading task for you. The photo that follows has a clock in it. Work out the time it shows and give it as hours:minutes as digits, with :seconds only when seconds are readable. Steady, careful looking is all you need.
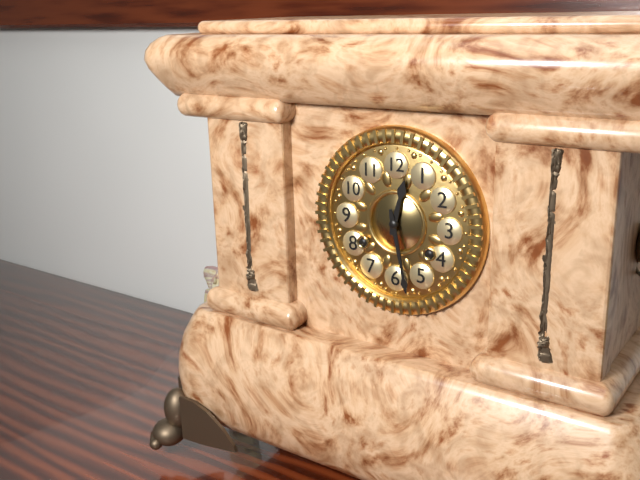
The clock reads 12:28
